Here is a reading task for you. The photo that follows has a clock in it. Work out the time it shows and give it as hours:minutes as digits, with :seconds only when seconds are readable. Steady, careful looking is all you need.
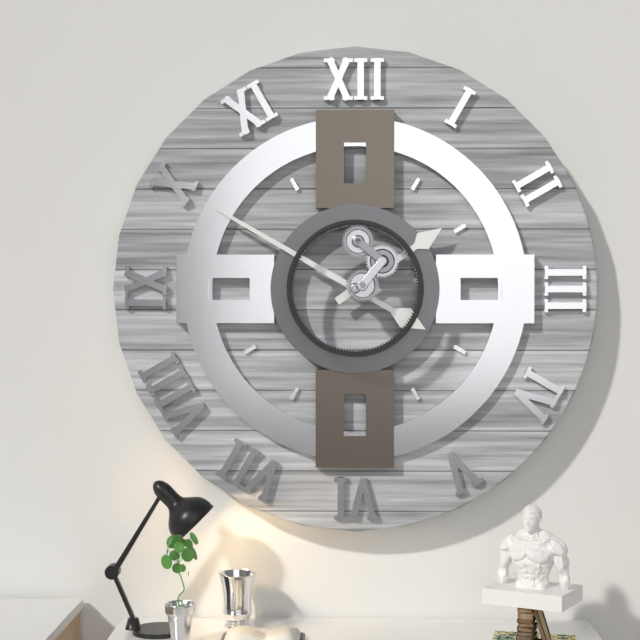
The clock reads 1:50
